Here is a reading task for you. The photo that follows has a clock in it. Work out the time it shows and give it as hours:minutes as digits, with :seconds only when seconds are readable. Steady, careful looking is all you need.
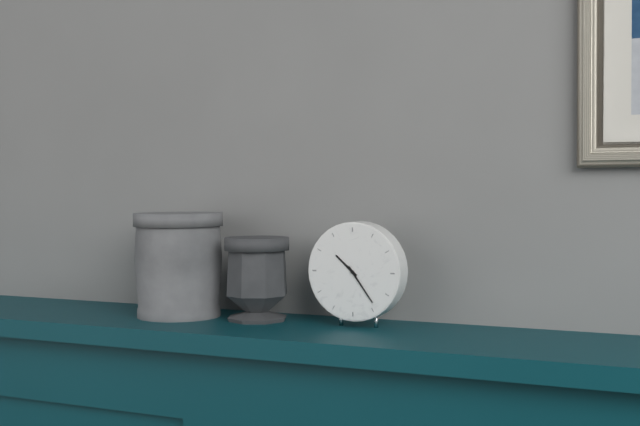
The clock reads 10:24
